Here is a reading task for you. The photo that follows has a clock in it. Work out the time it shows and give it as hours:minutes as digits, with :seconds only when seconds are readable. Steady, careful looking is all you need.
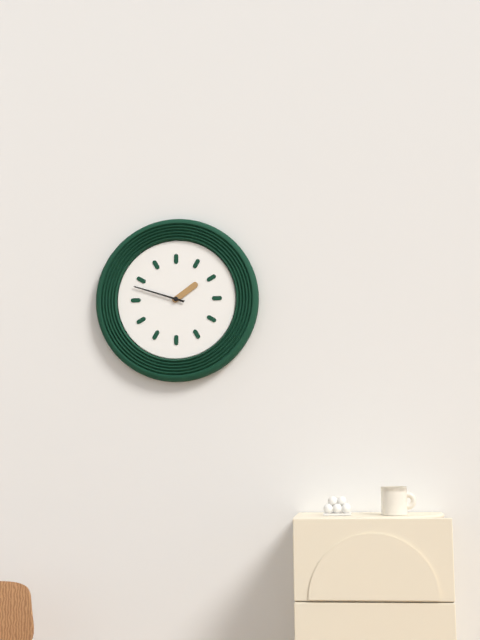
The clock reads 1:48
